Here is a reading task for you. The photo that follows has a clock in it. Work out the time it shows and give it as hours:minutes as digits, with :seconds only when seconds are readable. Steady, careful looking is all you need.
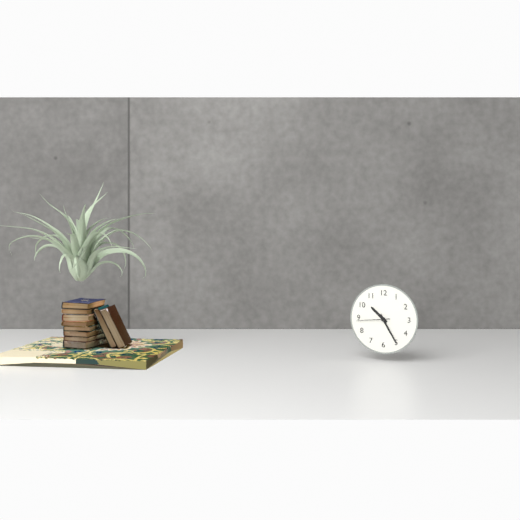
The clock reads 10:25
